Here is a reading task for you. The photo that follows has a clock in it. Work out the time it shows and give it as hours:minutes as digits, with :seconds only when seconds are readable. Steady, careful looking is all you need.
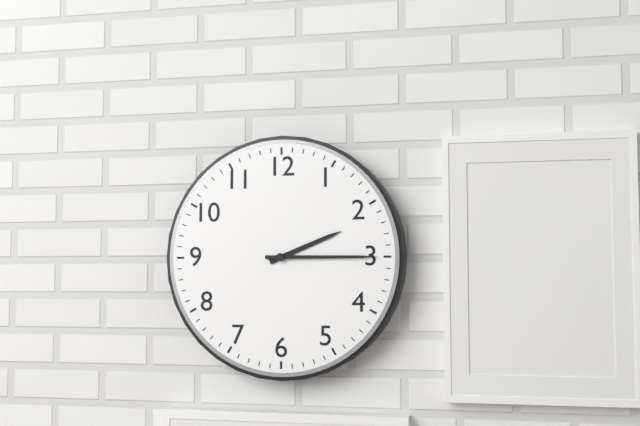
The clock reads 2:15
